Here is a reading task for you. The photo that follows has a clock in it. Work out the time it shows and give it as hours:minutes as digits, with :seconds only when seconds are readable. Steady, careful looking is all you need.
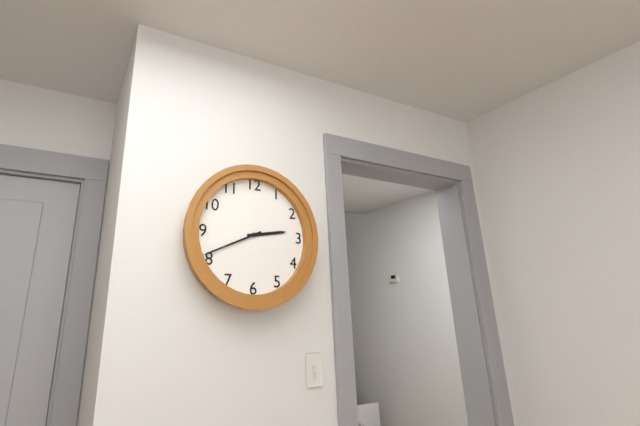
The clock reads 2:41
